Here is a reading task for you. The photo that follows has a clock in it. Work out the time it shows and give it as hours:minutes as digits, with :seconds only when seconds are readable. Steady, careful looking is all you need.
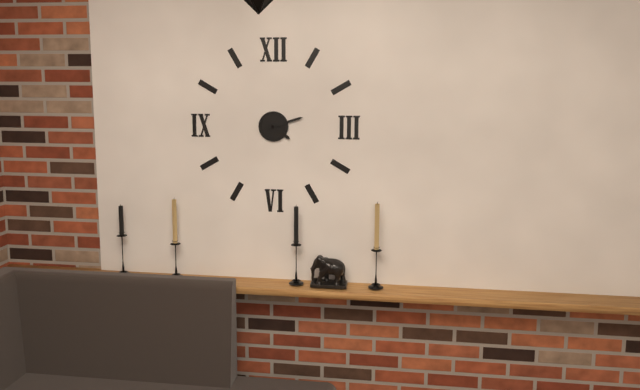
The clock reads 4:12
